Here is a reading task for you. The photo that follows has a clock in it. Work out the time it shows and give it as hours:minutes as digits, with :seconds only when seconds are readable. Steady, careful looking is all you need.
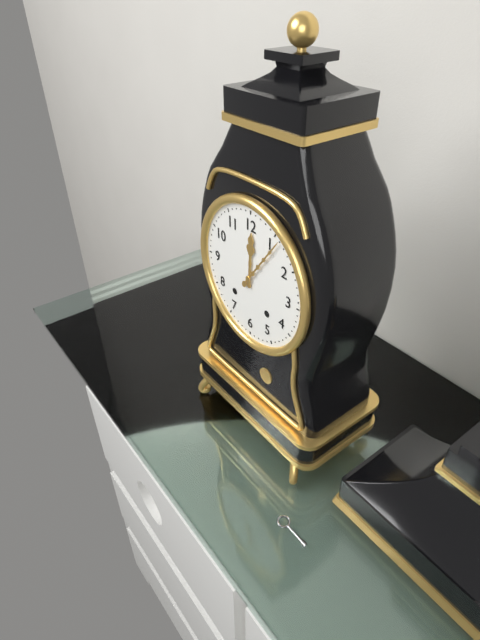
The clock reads 12:06
